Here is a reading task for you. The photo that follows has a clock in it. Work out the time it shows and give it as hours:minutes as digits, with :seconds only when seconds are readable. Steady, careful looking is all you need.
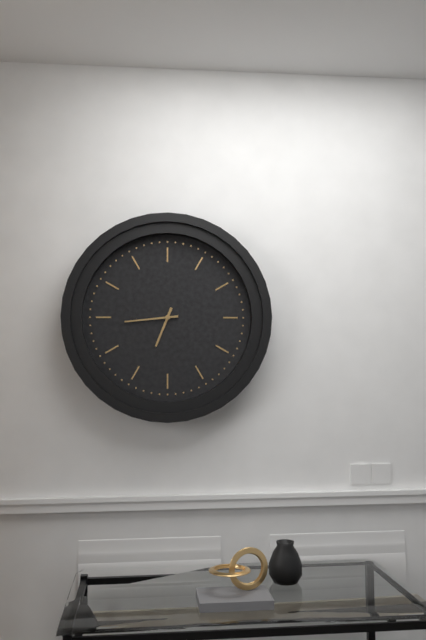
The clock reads 6:44
